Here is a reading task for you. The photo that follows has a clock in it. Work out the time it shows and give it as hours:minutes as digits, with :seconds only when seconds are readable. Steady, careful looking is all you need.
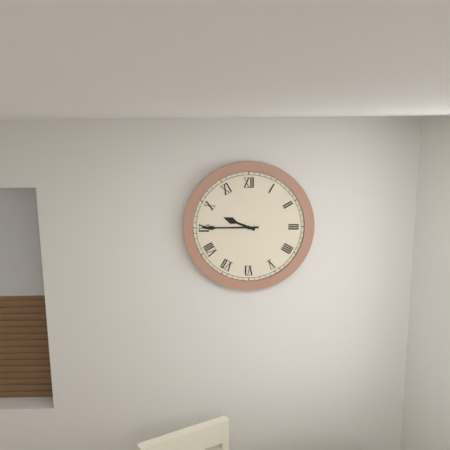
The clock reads 9:45
